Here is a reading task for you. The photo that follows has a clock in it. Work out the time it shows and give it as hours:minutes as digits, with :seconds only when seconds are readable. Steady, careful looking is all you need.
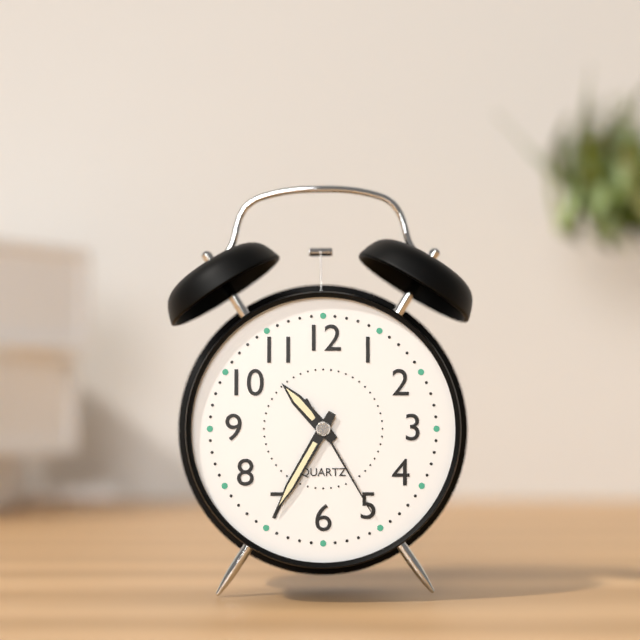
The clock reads 10:35:25
